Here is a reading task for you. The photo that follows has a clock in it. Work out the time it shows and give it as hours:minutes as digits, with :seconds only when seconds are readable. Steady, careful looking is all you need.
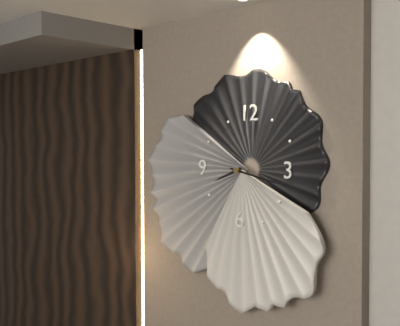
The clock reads 8:17
